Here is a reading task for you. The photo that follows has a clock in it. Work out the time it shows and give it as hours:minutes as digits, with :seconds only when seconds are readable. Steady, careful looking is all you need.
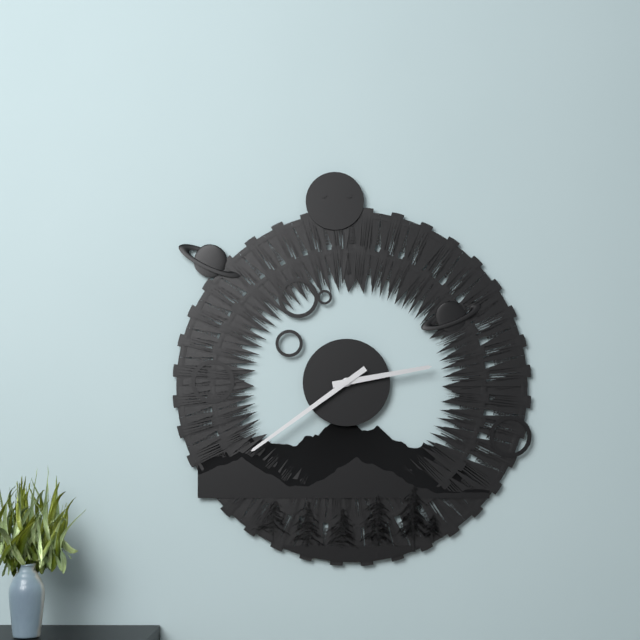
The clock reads 2:39
